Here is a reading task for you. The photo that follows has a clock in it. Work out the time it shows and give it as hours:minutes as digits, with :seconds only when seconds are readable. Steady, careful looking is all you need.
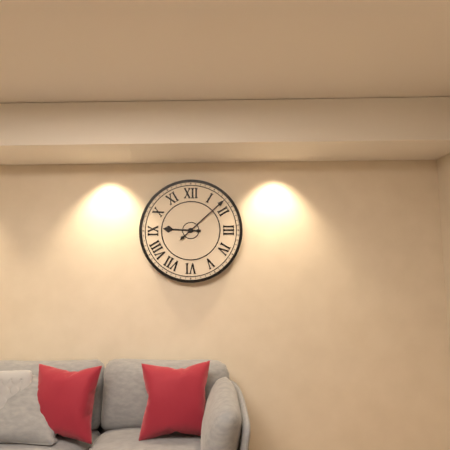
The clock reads 9:08
